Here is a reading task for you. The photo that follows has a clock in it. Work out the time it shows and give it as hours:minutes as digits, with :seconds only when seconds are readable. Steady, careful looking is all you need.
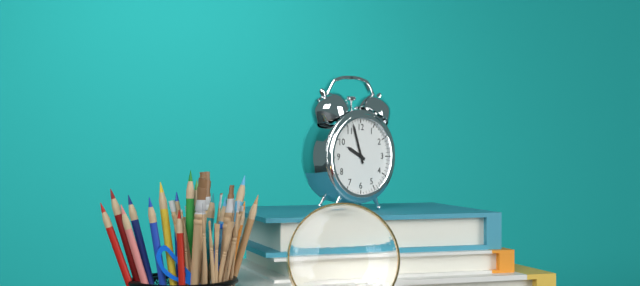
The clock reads 9:57
